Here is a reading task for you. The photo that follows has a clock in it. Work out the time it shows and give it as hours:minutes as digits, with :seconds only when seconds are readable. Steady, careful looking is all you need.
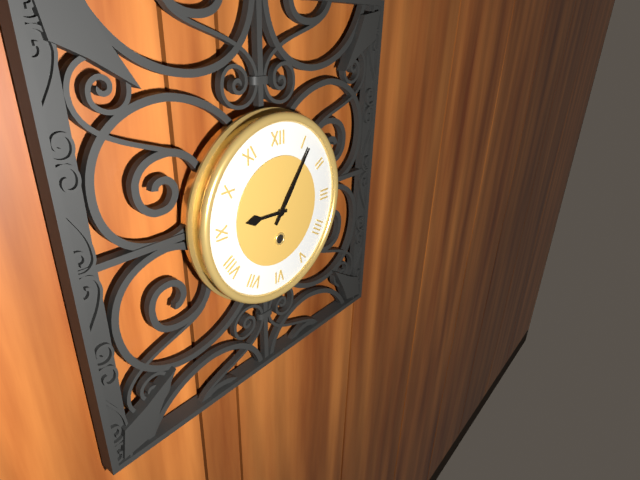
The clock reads 9:06
